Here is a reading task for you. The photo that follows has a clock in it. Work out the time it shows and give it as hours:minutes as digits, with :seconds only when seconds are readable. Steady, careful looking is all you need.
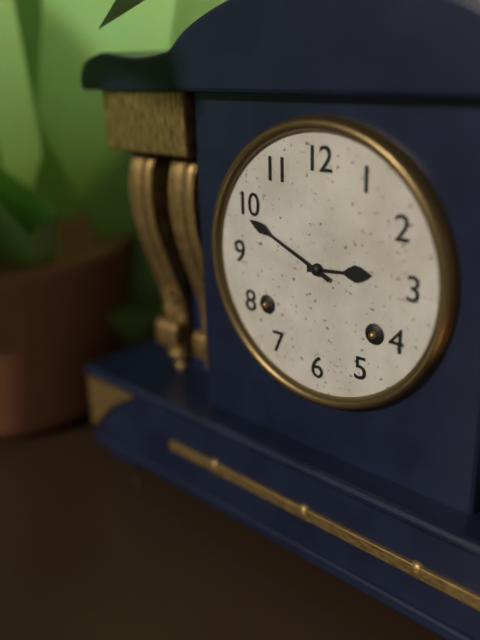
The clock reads 2:49
